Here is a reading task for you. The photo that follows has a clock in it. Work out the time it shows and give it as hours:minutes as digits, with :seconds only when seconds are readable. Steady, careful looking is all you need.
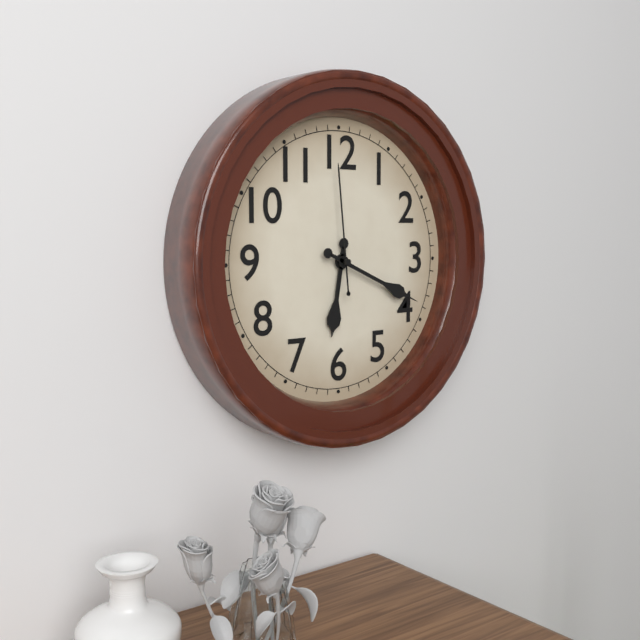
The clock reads 6:19:59
